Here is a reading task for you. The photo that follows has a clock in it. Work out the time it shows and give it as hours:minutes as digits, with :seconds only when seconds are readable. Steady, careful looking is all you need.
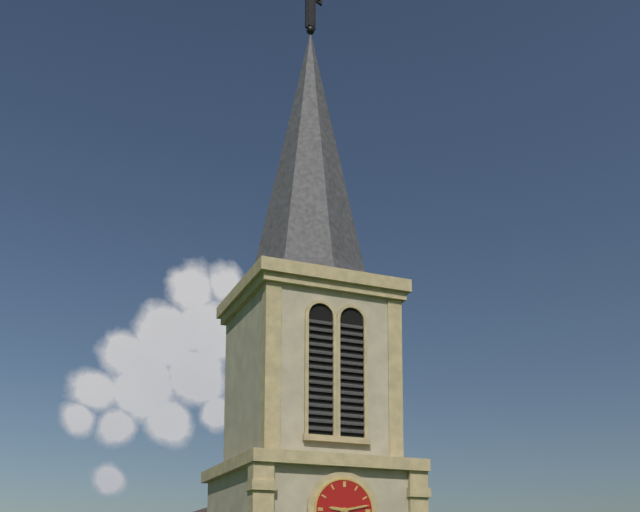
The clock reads 9:13
